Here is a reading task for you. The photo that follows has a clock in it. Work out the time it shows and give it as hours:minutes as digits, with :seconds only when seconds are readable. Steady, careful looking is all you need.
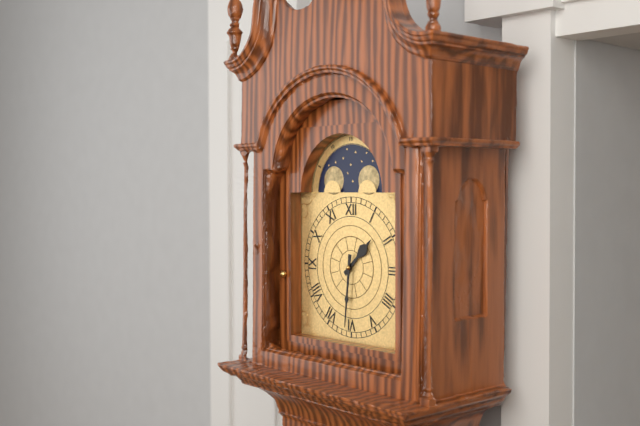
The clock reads 1:31
